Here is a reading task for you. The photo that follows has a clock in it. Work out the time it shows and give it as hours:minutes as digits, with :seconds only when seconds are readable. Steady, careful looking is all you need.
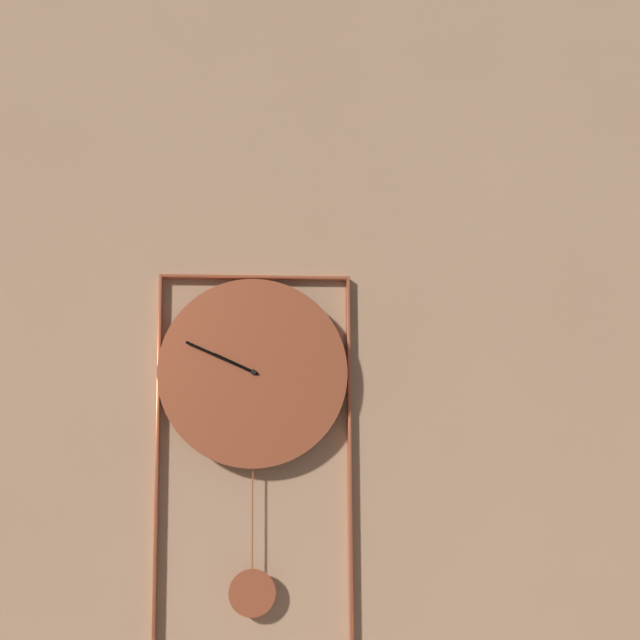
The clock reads 9:49
